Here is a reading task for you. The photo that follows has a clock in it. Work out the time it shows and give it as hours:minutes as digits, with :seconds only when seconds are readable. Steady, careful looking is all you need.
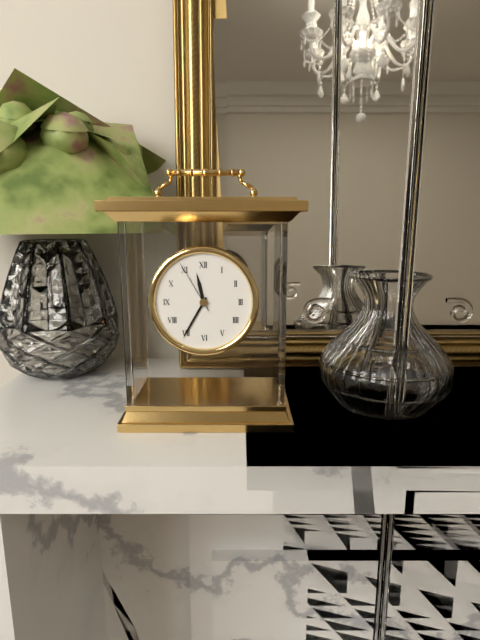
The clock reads 11:35:55
